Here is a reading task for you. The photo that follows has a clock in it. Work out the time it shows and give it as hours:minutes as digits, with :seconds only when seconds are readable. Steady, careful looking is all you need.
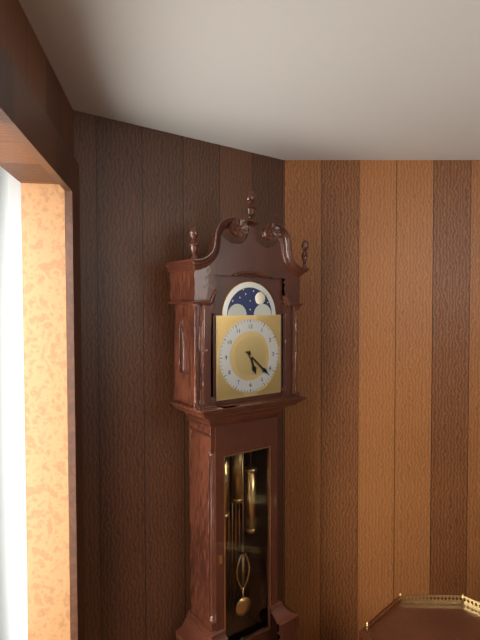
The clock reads 5:22
